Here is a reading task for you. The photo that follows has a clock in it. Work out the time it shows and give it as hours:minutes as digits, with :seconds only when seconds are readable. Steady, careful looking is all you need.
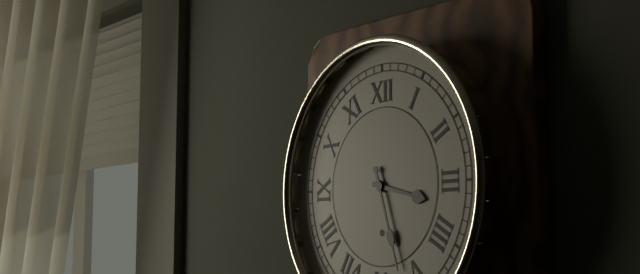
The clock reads 3:27
